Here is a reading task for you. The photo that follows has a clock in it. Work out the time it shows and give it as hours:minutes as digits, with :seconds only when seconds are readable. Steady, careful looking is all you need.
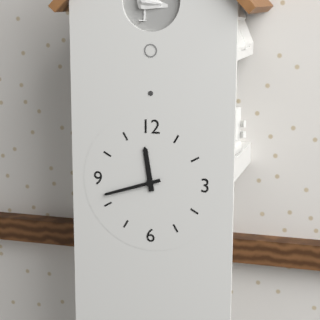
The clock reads 11:42
